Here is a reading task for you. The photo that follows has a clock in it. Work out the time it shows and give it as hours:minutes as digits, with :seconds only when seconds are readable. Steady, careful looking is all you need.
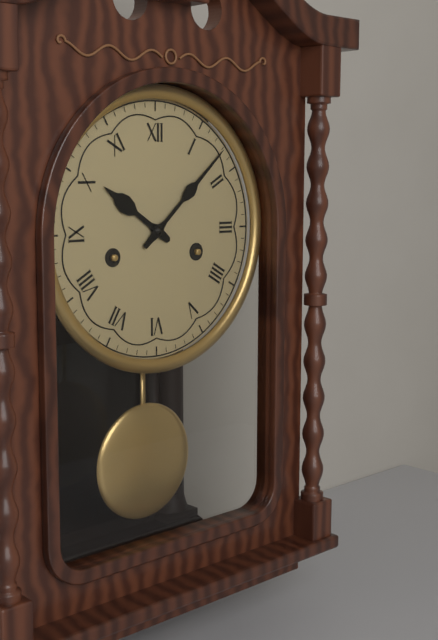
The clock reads 10:08
